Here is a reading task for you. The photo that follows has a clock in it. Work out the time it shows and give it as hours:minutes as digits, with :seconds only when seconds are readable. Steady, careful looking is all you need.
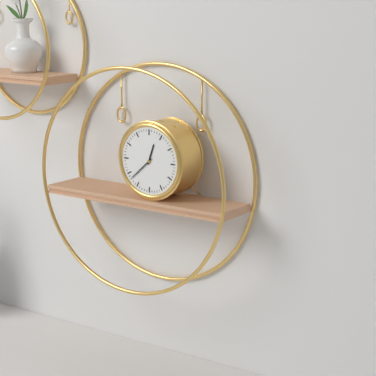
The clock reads 12:38
